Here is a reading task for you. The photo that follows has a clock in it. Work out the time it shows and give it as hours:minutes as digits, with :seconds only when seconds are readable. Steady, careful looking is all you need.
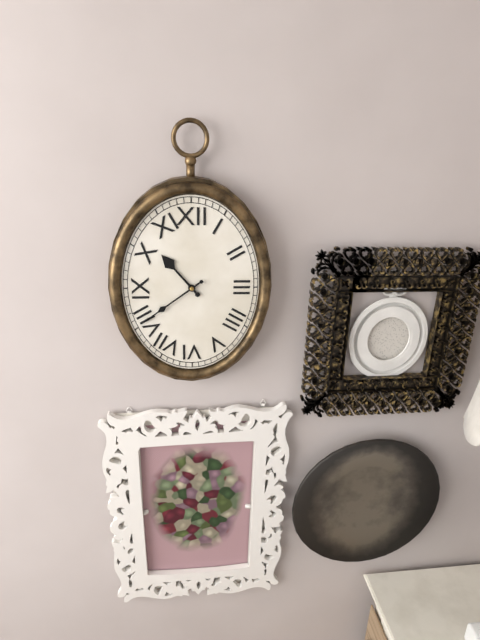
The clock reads 10:39
